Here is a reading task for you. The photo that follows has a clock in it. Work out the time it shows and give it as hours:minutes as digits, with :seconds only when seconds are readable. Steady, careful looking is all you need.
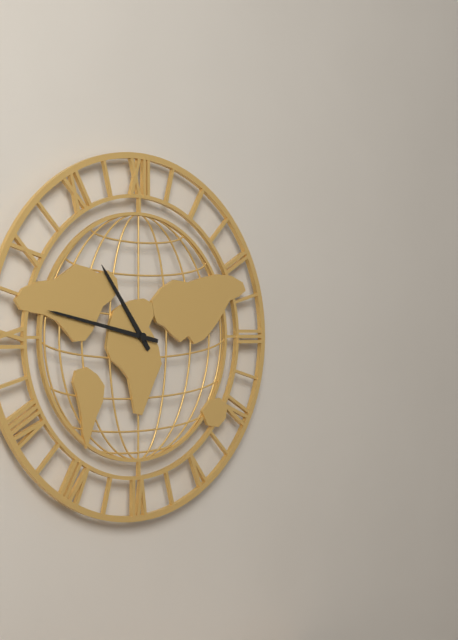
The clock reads 10:47
